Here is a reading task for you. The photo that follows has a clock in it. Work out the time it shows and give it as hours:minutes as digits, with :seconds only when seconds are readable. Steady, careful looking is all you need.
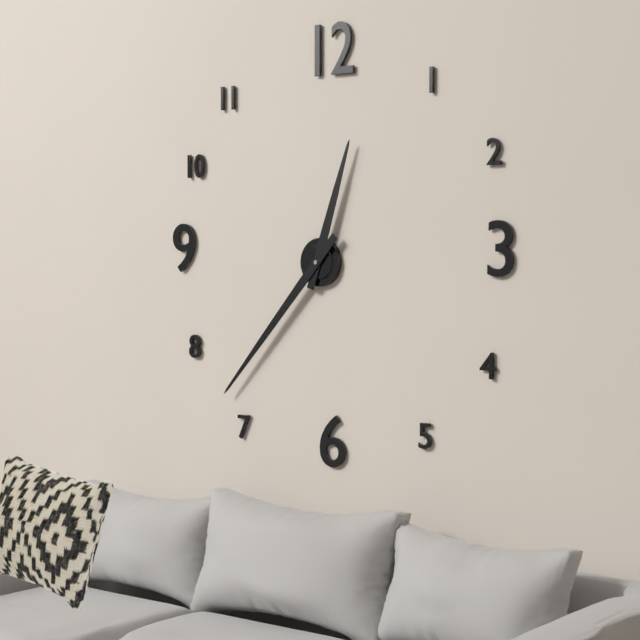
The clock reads 12:37
